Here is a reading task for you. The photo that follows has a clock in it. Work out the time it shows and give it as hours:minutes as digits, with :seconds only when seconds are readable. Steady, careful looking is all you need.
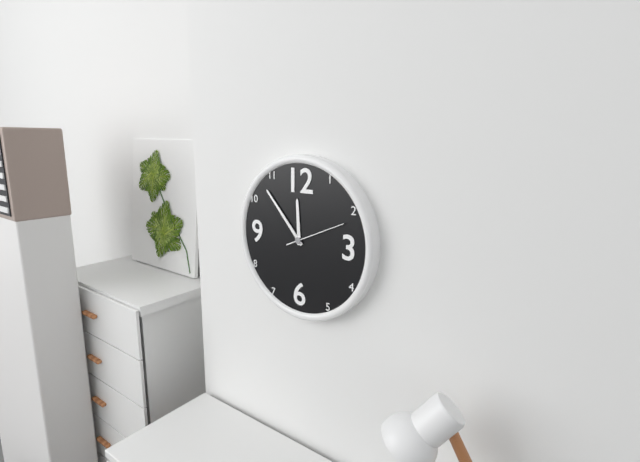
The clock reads 11:53:11
